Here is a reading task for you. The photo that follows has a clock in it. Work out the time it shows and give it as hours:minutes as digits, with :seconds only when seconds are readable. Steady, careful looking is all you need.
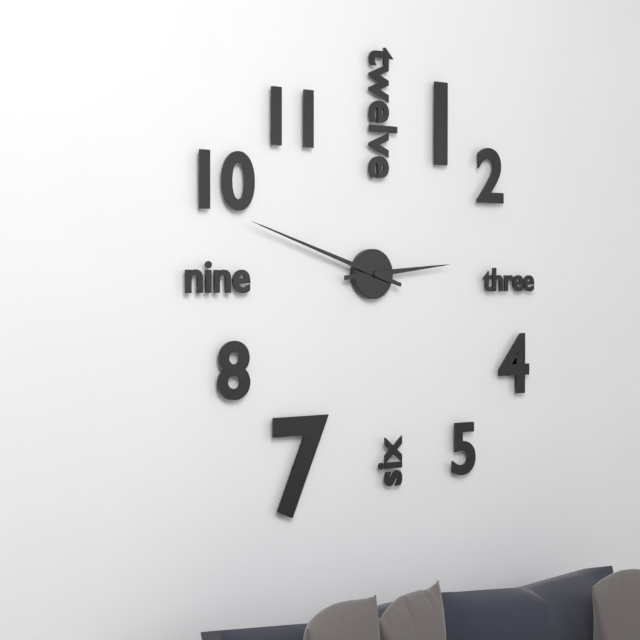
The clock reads 2:48
